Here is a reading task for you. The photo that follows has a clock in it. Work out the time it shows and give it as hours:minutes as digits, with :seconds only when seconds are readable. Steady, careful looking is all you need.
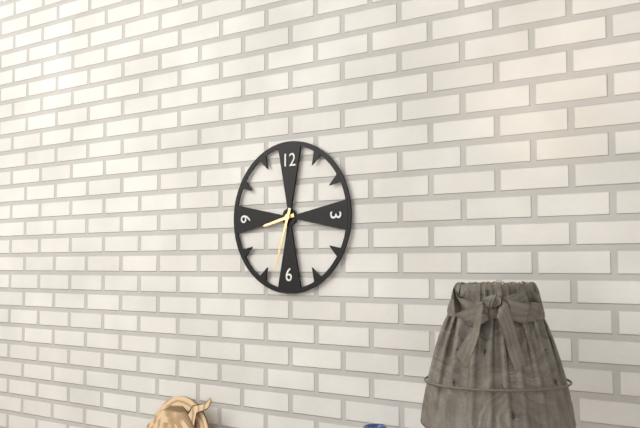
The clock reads 8:33
